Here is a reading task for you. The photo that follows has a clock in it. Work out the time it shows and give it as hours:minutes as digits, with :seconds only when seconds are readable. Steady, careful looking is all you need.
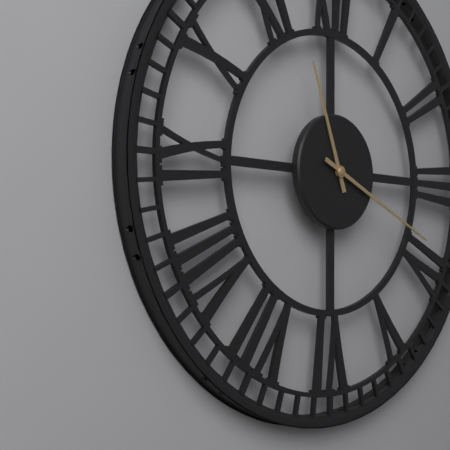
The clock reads 11:19
